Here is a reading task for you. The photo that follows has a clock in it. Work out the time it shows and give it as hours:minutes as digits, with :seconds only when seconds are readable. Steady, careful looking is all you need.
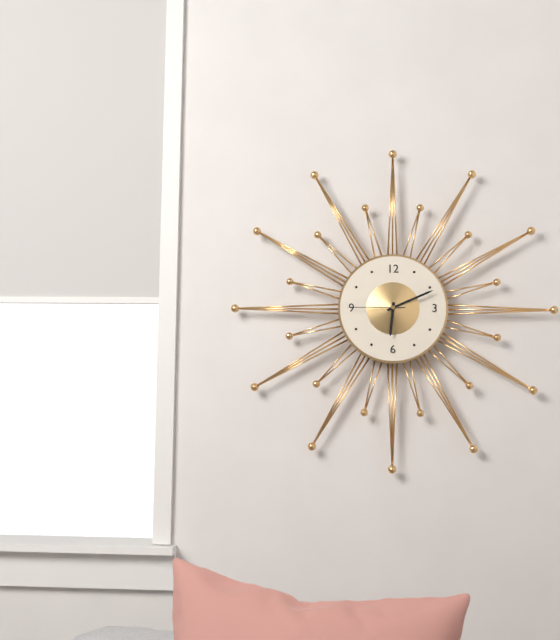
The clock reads 6:11:45
